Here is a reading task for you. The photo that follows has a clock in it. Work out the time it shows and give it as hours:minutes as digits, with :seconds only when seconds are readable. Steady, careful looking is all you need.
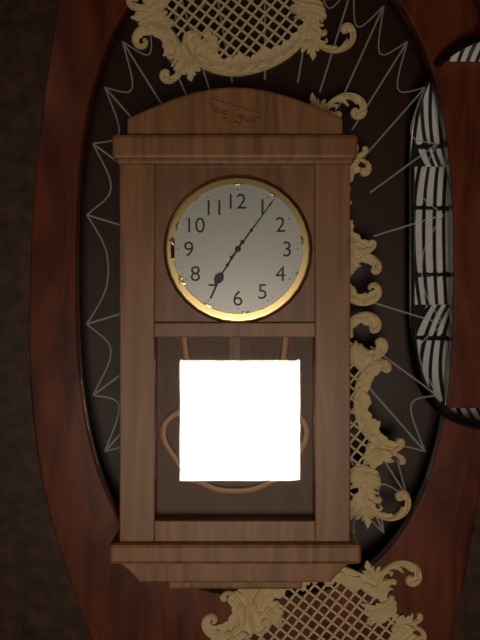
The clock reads 7:06
